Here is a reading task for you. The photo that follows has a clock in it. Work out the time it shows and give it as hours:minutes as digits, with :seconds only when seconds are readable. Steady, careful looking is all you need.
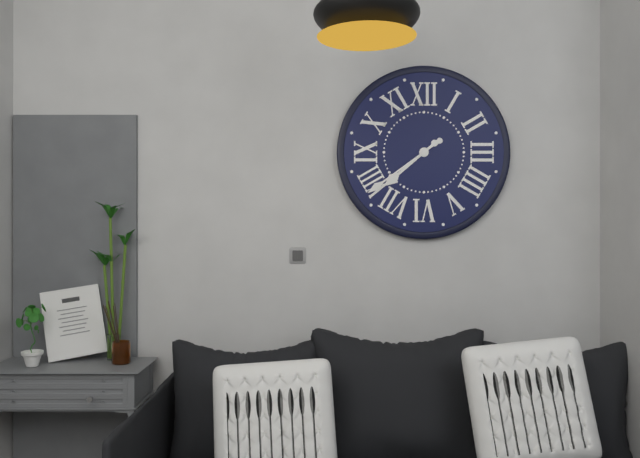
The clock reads 7:39
